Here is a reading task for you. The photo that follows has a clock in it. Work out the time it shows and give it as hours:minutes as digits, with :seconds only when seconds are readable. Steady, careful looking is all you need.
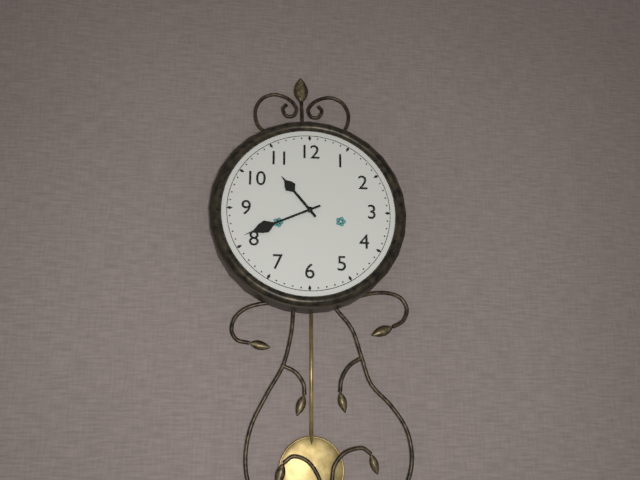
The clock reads 10:41
